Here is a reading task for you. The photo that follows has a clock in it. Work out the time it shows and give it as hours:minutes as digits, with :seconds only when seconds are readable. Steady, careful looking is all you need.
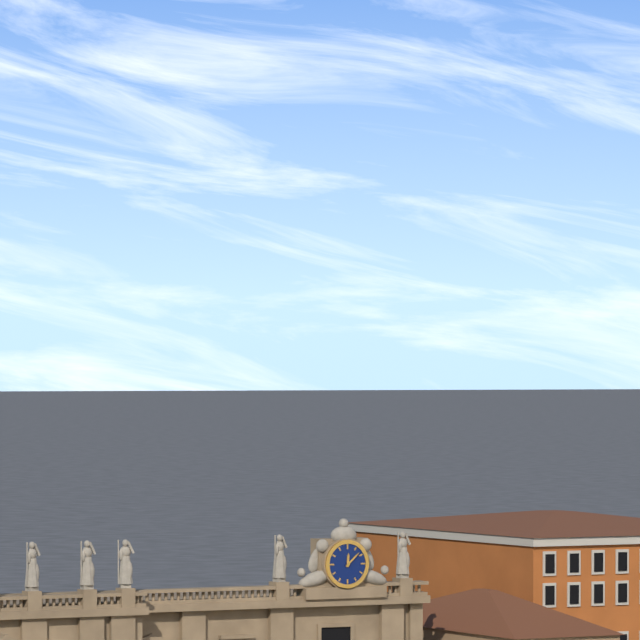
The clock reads 12:08
